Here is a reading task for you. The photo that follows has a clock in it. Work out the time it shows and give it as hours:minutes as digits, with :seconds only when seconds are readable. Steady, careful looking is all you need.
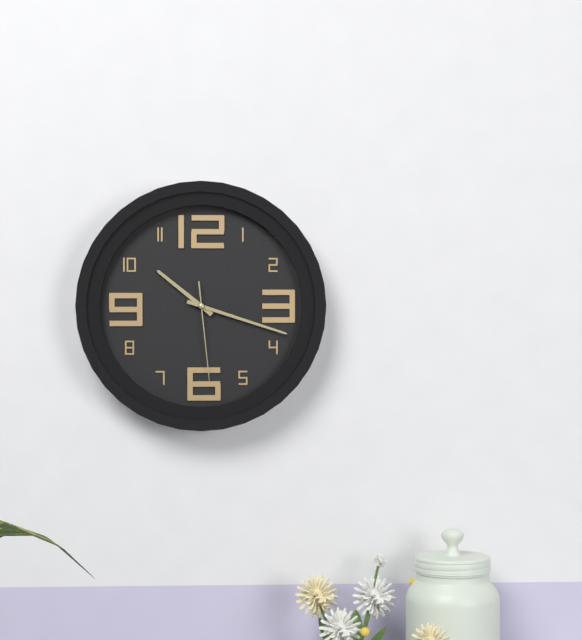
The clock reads 10:18:29
